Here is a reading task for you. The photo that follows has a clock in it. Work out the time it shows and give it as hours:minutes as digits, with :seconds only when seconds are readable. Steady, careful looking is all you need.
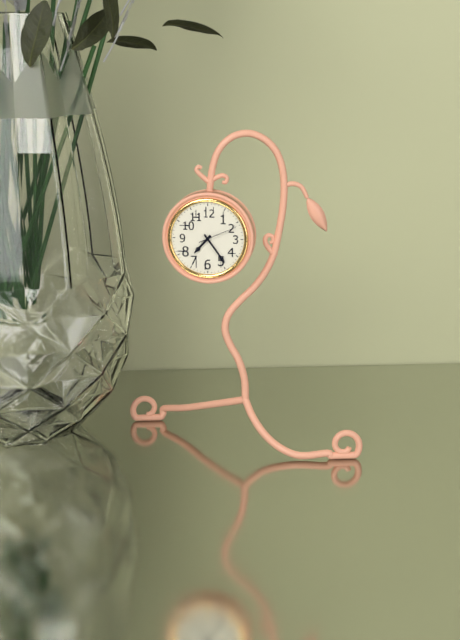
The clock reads 7:24
